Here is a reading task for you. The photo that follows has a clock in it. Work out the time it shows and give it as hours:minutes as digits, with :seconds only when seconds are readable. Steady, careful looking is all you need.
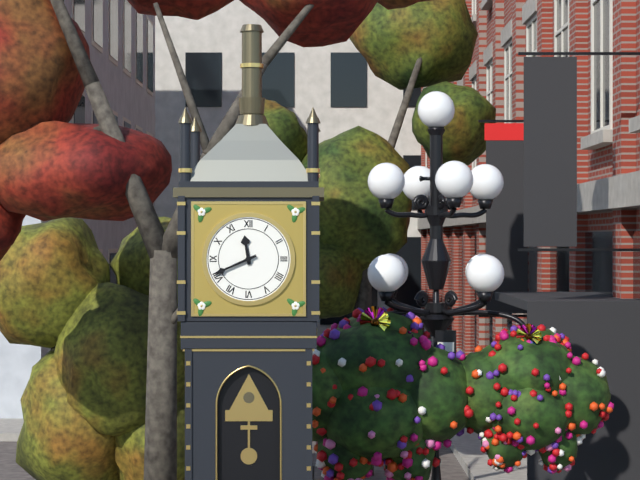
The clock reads 11:41
